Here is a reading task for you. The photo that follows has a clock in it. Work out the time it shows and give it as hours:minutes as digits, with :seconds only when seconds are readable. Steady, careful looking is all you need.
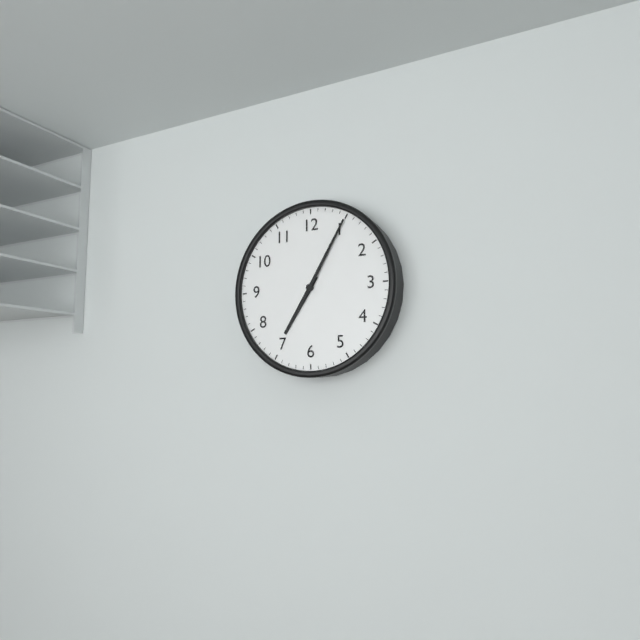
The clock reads 7:05
